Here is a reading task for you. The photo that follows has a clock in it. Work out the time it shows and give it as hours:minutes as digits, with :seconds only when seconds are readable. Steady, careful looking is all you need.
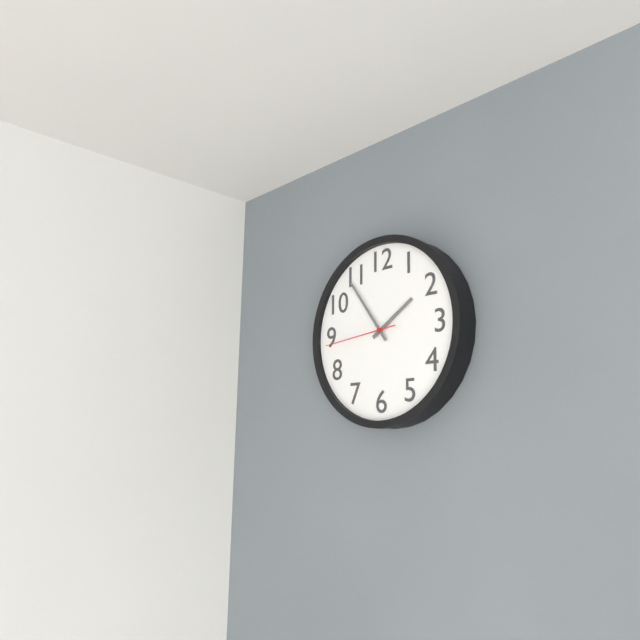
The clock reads 1:54:44
